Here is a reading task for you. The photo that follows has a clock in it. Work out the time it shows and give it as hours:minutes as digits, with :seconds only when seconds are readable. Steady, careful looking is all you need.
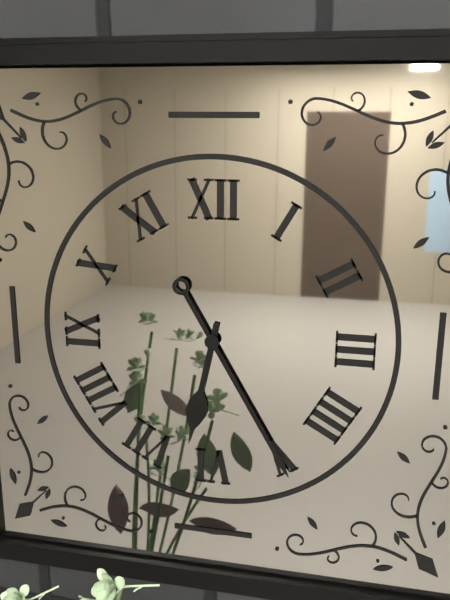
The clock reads 6:25
